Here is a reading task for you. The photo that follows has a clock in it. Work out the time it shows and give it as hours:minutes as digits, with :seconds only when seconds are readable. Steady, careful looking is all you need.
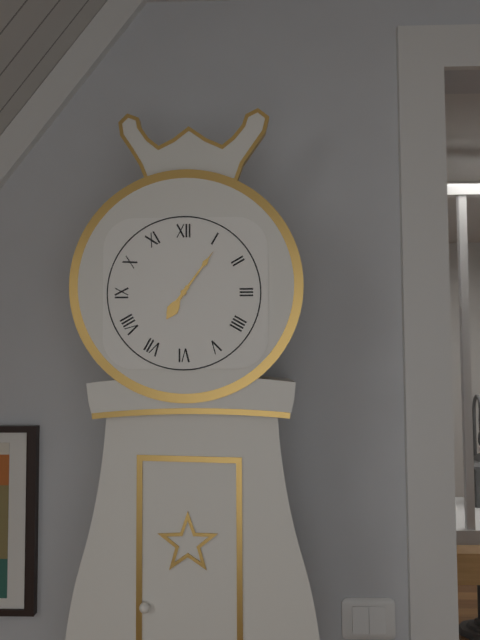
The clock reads 7:06
